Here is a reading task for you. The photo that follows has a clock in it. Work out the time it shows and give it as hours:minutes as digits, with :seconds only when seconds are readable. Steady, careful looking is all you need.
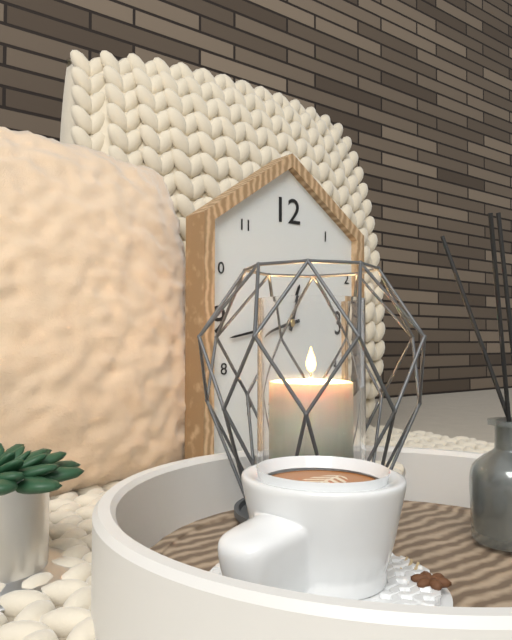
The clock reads 12:43
